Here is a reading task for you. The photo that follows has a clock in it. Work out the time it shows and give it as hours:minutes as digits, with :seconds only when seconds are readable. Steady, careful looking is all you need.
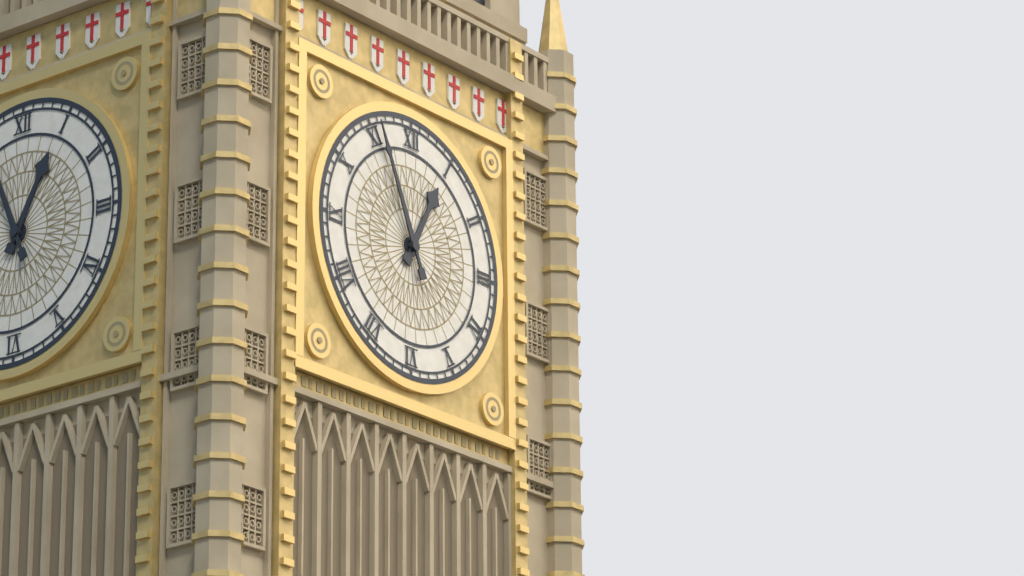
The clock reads 12:56
